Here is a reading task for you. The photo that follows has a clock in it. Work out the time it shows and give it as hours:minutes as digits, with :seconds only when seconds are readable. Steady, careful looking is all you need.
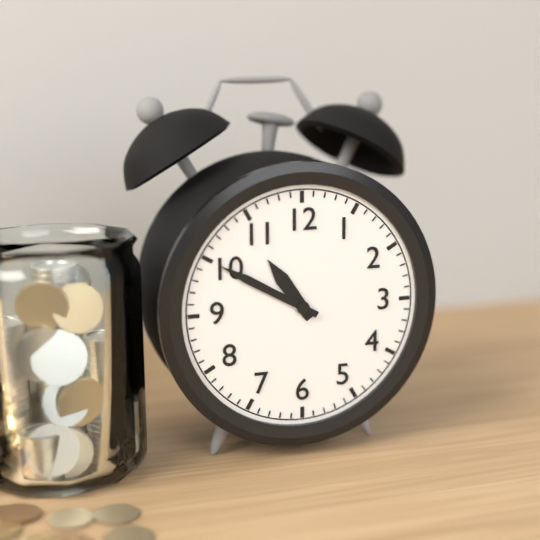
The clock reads 10:50
